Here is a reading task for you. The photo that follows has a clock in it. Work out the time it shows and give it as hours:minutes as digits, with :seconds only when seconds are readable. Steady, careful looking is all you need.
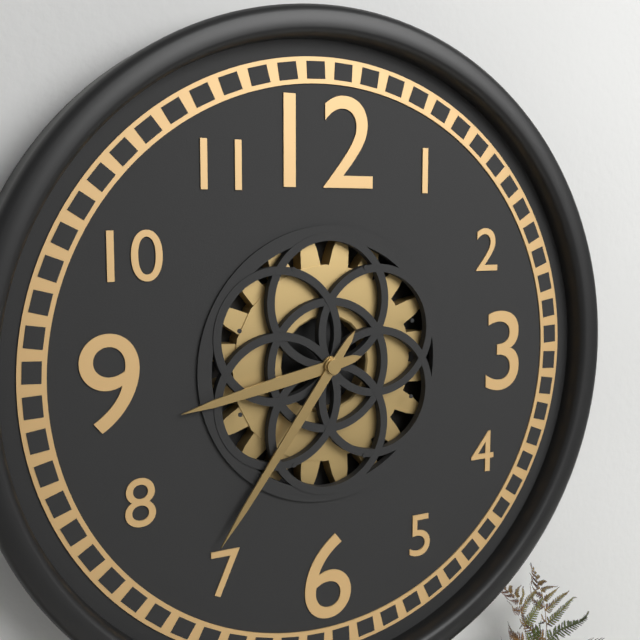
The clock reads 8:36
